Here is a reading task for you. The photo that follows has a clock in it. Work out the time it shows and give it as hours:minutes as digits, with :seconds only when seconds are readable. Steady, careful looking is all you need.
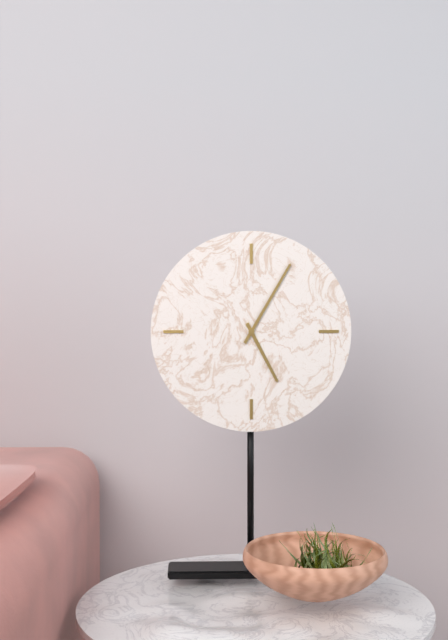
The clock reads 5:05
